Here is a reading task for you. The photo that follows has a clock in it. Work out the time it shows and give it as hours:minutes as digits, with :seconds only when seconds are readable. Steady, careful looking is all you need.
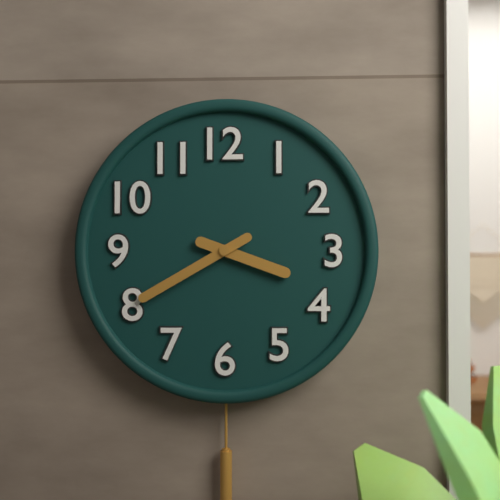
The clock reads 3:40
